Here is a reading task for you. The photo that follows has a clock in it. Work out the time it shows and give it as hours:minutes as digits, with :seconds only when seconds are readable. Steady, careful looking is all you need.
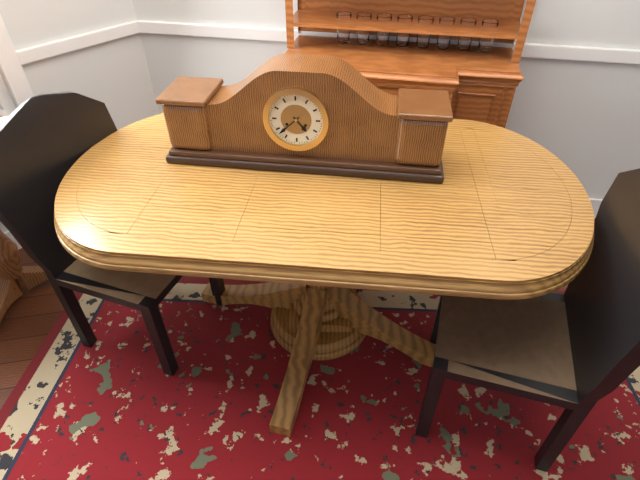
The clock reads 4:38
